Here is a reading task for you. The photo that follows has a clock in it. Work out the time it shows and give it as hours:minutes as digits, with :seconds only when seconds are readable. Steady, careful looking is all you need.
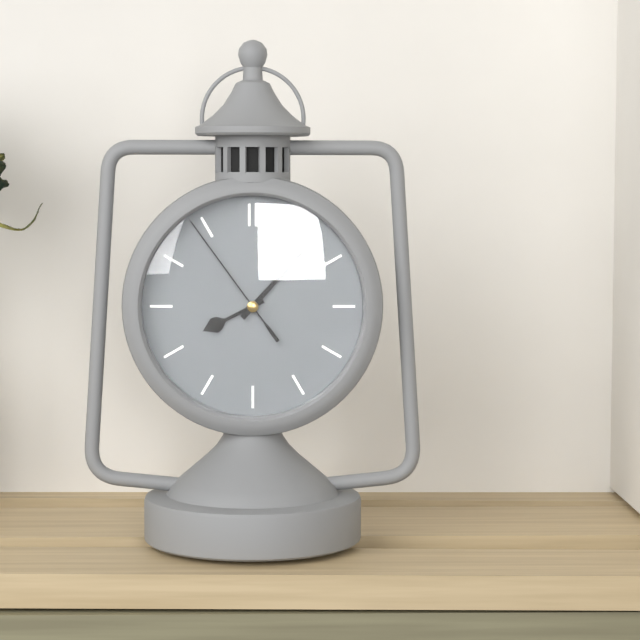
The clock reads 8:07:54
